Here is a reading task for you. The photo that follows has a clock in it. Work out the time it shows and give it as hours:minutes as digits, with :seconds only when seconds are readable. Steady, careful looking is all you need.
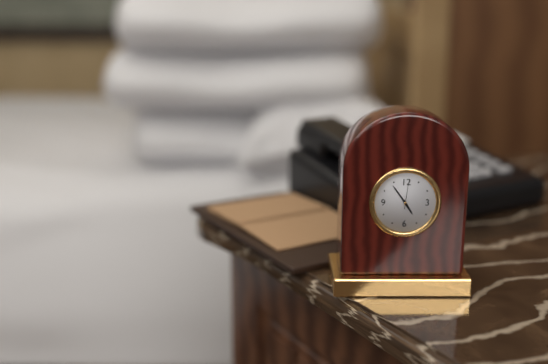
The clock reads 4:54
